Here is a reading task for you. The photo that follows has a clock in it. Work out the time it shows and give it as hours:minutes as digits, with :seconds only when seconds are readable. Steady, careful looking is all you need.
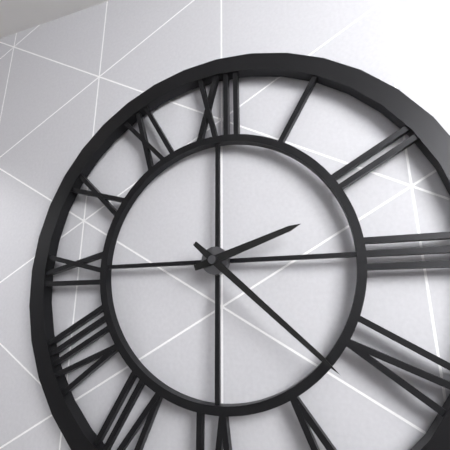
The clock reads 2:22
